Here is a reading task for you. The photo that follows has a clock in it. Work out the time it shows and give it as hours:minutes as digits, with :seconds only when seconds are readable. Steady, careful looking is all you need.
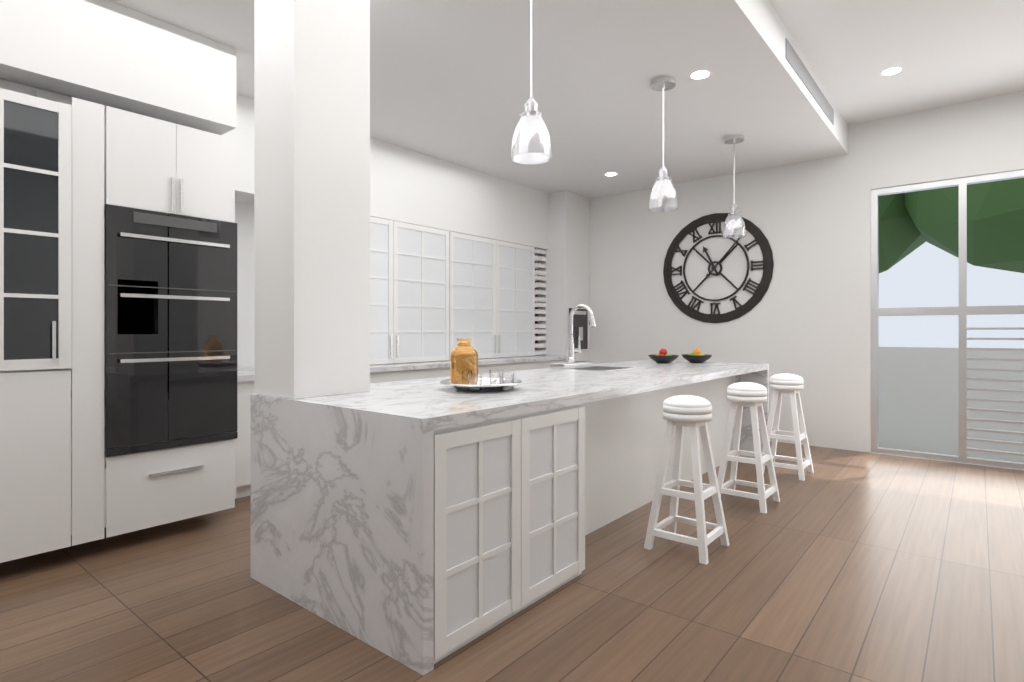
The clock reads 11:07
